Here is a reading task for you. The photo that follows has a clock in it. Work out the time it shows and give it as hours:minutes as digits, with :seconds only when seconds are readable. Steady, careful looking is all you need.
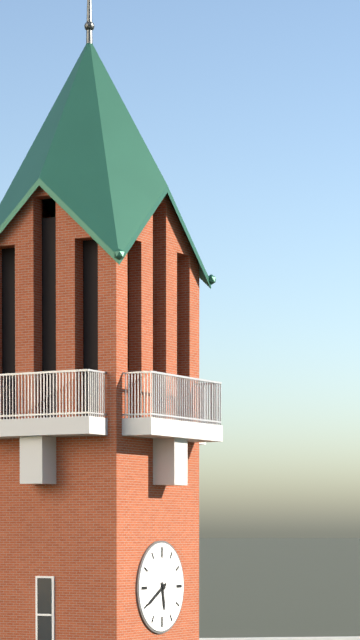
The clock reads 5:40
